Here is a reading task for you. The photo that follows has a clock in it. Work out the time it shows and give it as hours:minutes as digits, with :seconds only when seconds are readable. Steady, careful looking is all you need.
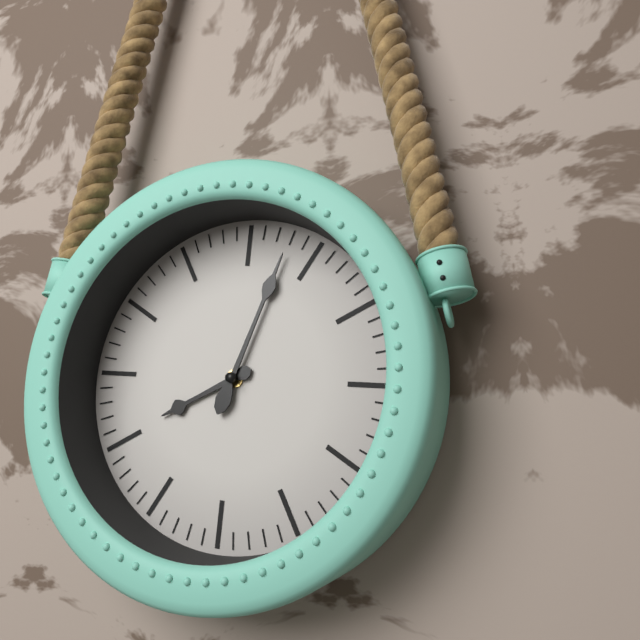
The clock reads 8:03
